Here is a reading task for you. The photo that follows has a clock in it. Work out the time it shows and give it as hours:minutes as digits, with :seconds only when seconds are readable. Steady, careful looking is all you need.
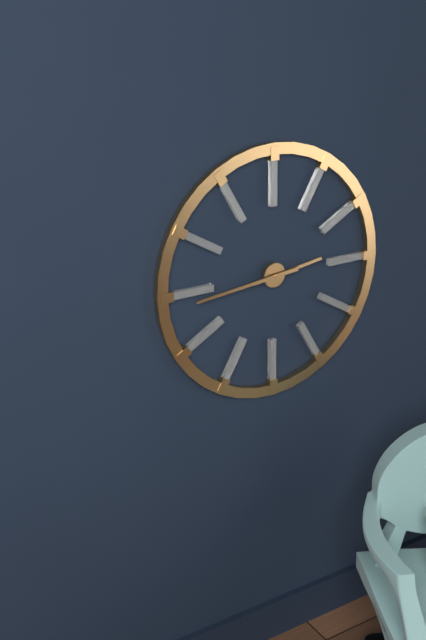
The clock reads 2:44
